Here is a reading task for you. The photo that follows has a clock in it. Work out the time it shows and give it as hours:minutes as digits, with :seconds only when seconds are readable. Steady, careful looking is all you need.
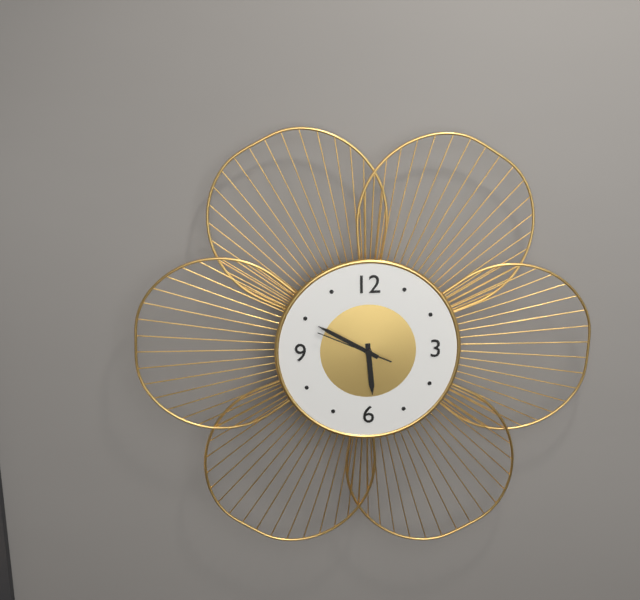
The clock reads 5:50:49
